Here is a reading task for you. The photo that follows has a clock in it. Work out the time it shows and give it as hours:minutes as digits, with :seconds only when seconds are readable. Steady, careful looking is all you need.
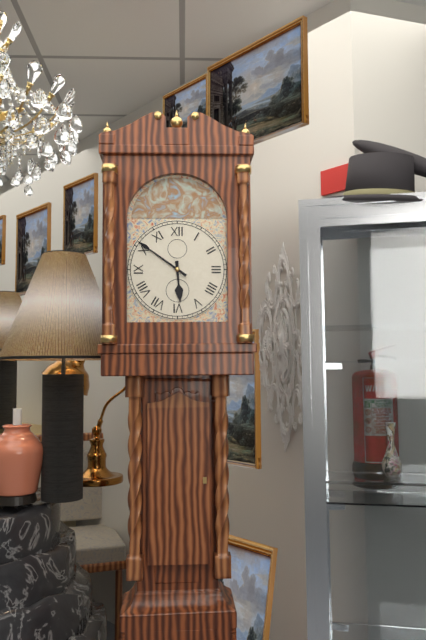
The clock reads 5:51
